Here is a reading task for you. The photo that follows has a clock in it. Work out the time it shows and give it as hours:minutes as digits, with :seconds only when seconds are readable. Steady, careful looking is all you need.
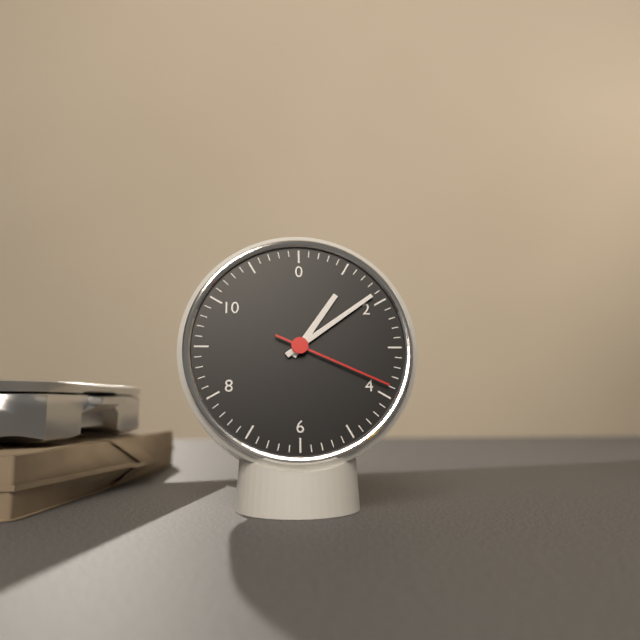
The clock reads 1:09:19
